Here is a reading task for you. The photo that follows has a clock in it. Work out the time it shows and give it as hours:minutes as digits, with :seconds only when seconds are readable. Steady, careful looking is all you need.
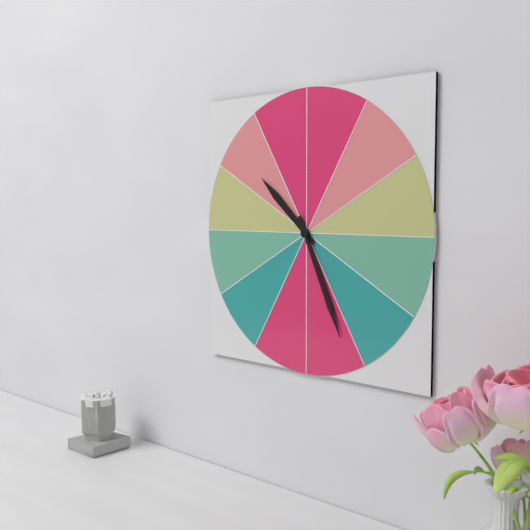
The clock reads 10:26
